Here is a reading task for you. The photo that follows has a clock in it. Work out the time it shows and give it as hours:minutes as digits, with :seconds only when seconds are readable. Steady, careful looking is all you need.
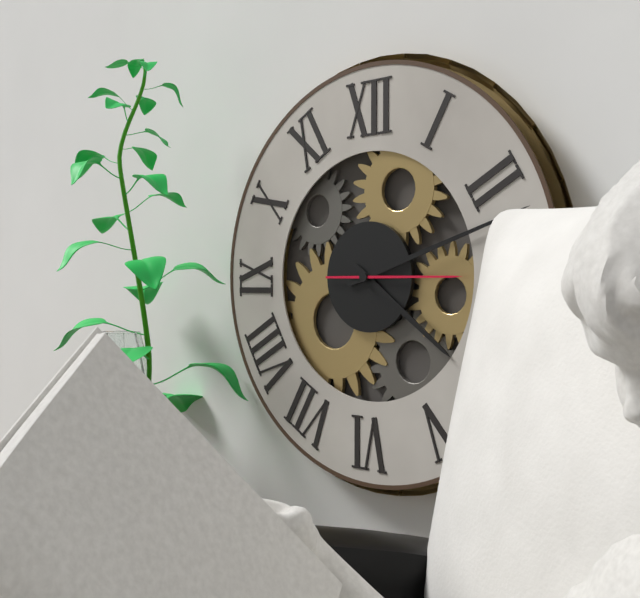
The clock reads 4:12:15
